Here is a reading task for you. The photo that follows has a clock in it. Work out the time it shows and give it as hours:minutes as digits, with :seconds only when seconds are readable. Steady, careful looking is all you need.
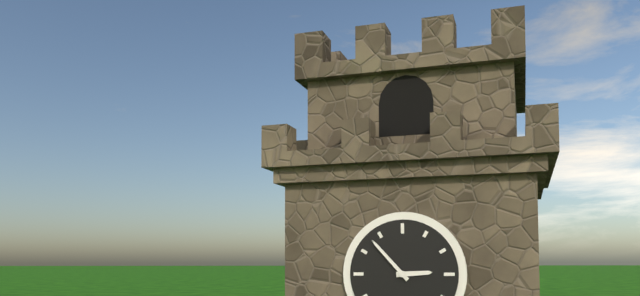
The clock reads 2:53
